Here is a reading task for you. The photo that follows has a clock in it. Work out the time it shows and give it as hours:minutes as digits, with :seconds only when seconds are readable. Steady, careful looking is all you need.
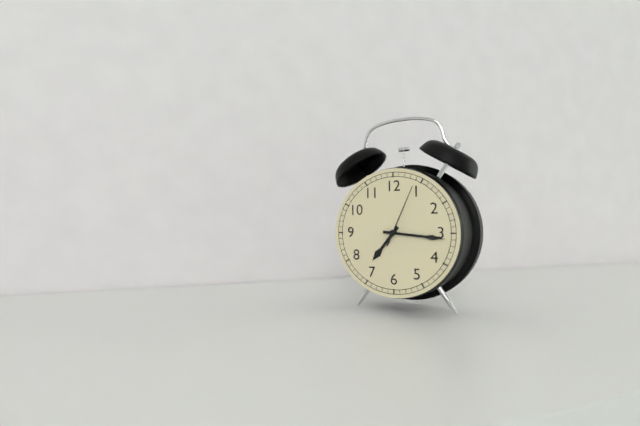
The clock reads 7:16:04
